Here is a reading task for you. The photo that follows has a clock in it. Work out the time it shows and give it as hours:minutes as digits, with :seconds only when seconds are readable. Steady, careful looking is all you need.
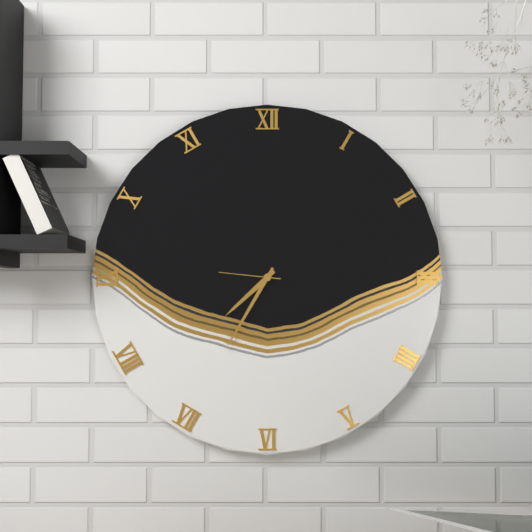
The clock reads 7:35:46
